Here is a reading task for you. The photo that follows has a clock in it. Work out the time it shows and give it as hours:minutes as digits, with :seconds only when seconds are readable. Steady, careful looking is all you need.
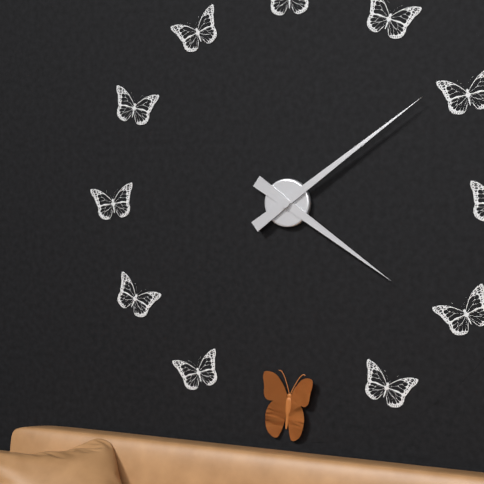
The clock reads 4:09
